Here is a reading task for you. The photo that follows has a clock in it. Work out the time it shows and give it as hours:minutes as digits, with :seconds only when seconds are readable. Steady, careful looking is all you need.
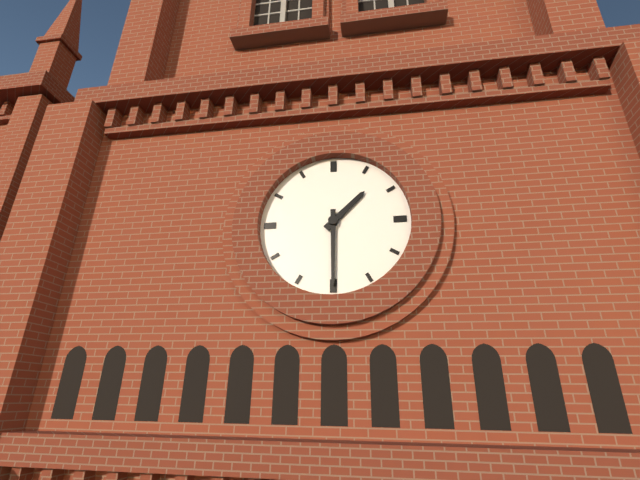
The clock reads 1:30
